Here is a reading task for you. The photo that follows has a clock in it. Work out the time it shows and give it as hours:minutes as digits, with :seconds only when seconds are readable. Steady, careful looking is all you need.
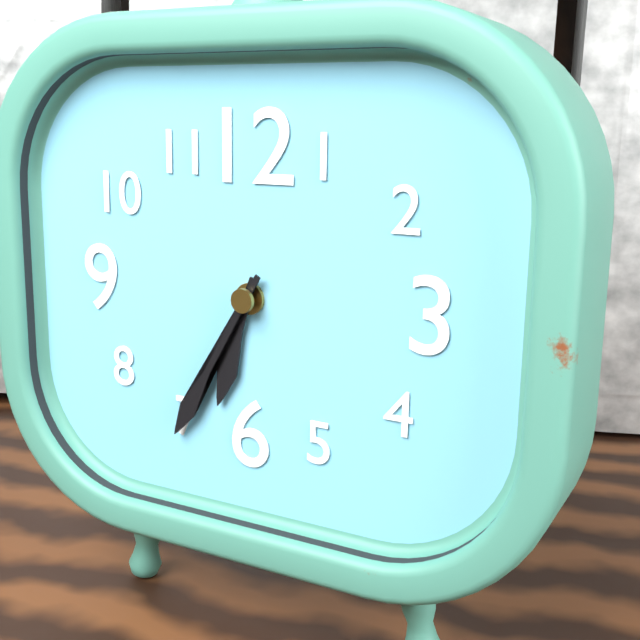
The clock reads 6:35
